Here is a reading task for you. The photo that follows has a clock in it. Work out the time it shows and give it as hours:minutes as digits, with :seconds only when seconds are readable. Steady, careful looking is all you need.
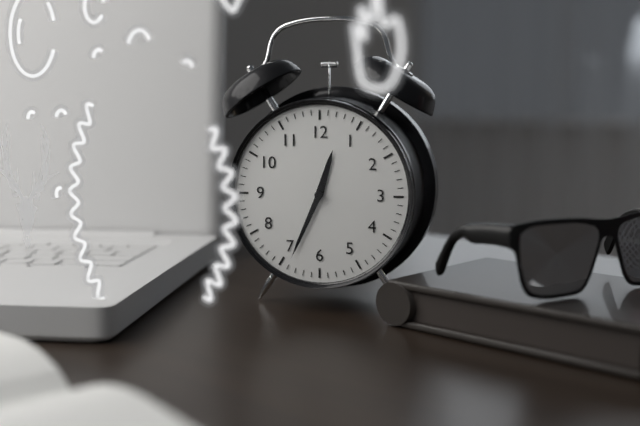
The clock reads 12:34
